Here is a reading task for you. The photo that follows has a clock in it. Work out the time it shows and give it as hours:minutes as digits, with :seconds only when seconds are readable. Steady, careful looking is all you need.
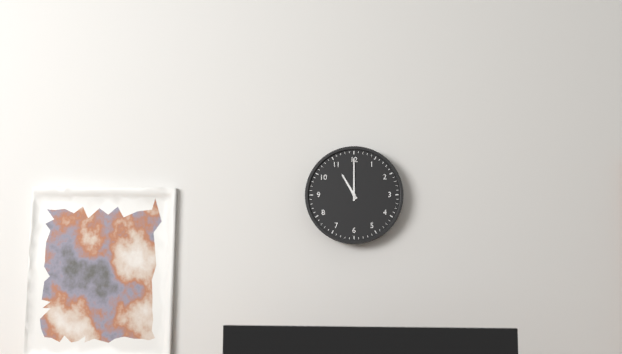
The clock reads 11:00
